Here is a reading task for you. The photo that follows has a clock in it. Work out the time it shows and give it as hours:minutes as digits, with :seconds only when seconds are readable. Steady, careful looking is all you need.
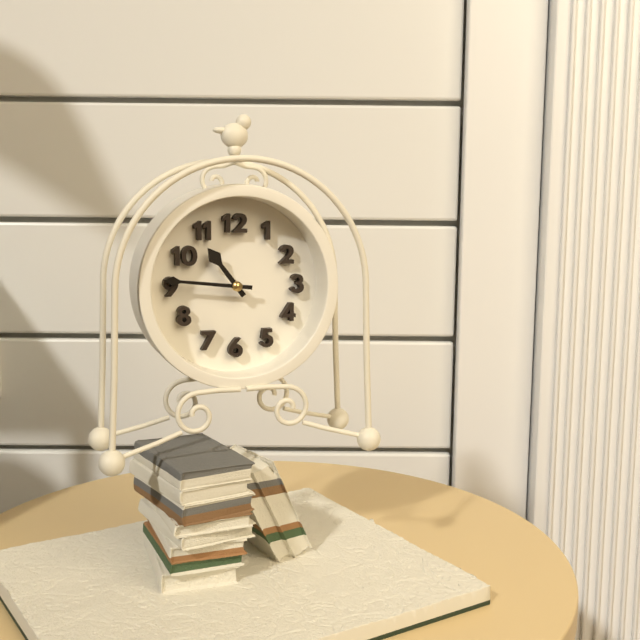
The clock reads 10:46
